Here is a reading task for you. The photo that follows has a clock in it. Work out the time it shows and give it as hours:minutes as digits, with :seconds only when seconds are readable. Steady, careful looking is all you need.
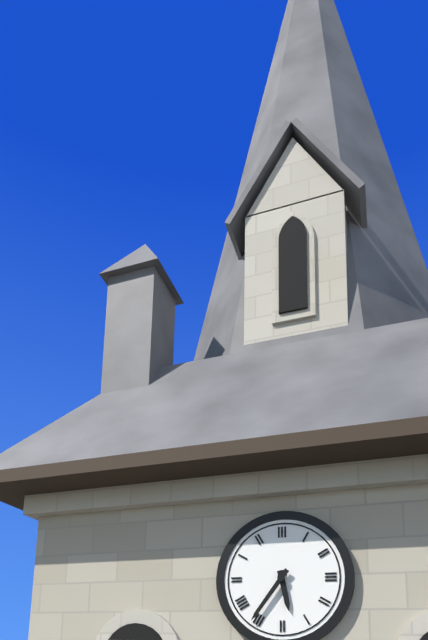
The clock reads 5:36
